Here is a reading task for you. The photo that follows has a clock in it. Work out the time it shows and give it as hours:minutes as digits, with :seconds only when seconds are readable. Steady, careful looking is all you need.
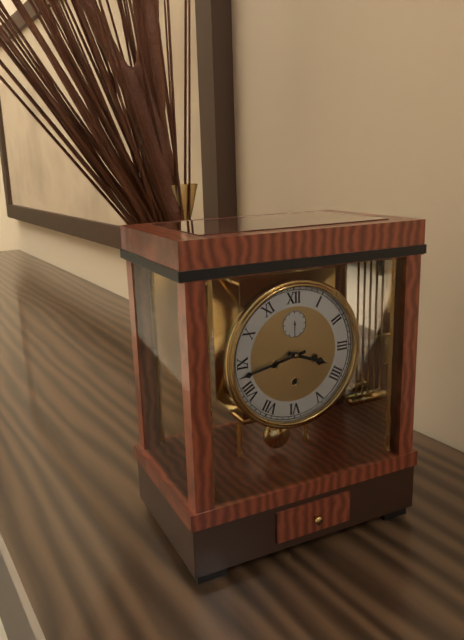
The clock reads 3:43
